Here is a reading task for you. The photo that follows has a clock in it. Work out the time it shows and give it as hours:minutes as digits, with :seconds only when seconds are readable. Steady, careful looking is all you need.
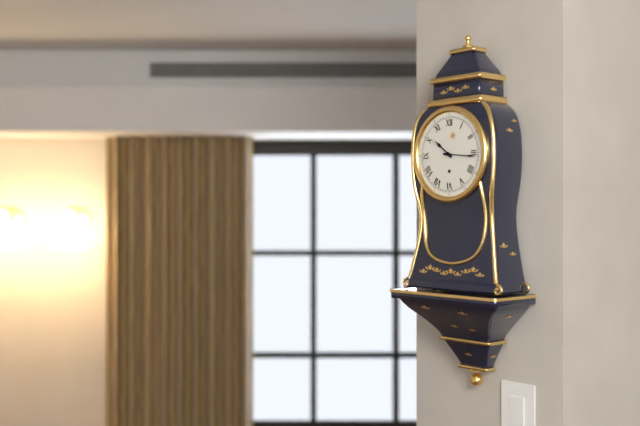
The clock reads 10:16
